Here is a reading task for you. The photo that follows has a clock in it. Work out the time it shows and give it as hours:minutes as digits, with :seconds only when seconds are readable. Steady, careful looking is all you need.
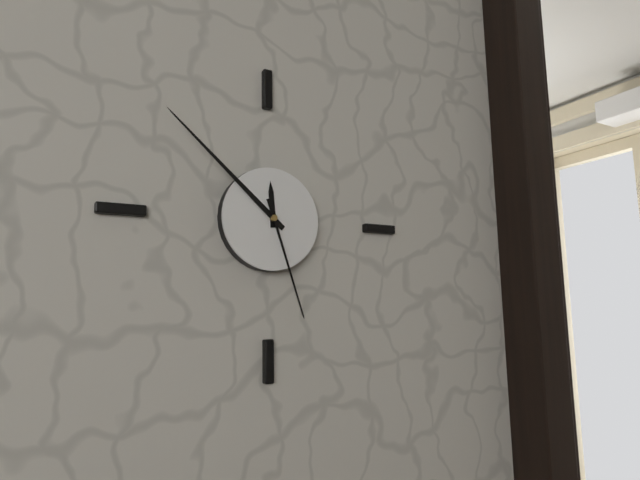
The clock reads 11:52:27
